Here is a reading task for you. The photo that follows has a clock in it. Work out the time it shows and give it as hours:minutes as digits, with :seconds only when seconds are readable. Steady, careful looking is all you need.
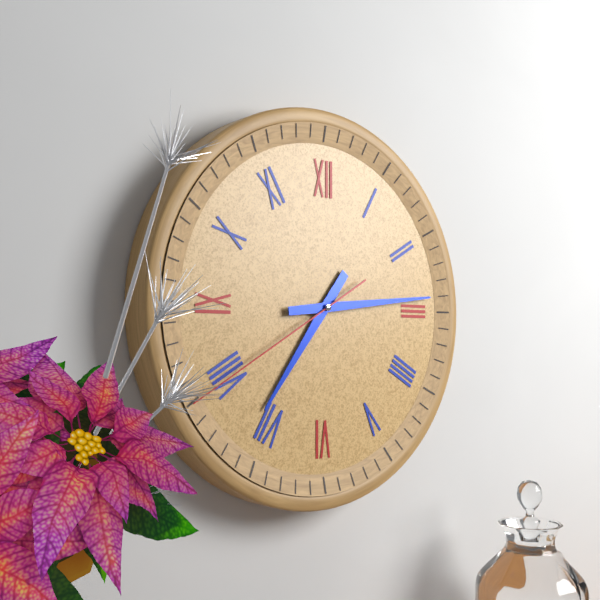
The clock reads 7:14:40
